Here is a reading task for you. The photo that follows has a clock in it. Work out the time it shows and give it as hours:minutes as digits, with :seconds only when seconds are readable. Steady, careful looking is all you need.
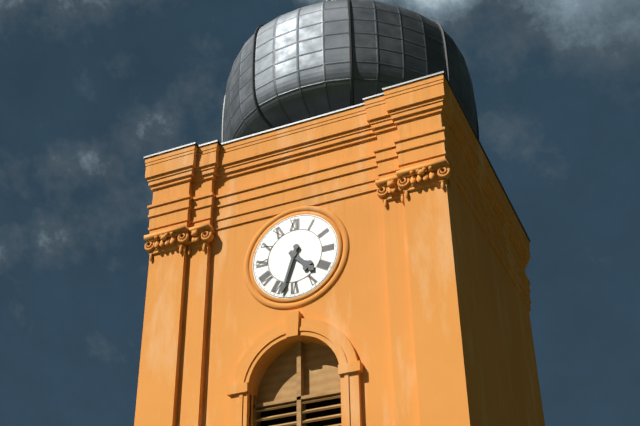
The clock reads 4:33
